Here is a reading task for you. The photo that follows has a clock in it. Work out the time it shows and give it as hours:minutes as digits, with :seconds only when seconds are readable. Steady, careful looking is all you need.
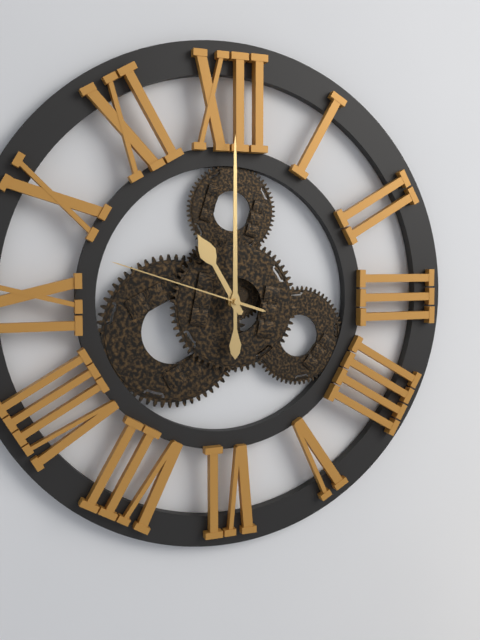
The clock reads 11:00:48
